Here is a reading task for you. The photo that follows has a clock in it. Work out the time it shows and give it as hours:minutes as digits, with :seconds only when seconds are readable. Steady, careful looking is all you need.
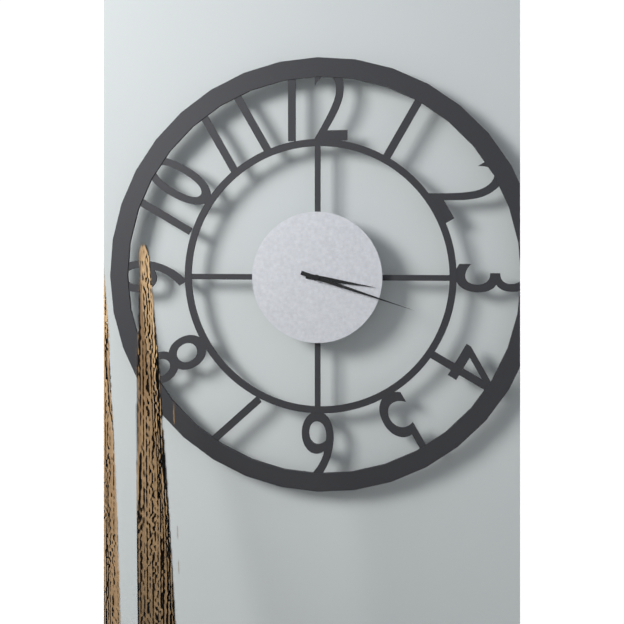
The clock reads 3:18
